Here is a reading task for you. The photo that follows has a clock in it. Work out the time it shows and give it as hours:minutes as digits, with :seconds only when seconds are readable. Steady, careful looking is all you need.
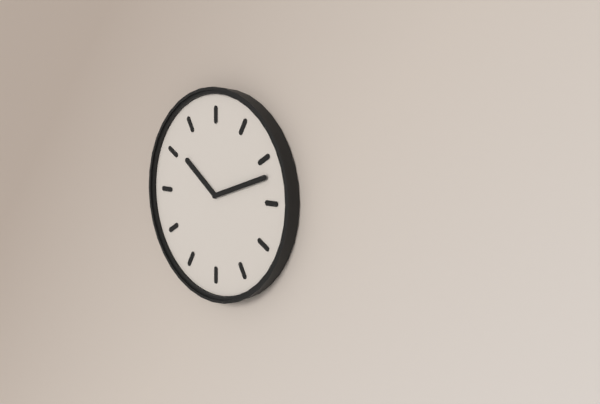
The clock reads 10:12
